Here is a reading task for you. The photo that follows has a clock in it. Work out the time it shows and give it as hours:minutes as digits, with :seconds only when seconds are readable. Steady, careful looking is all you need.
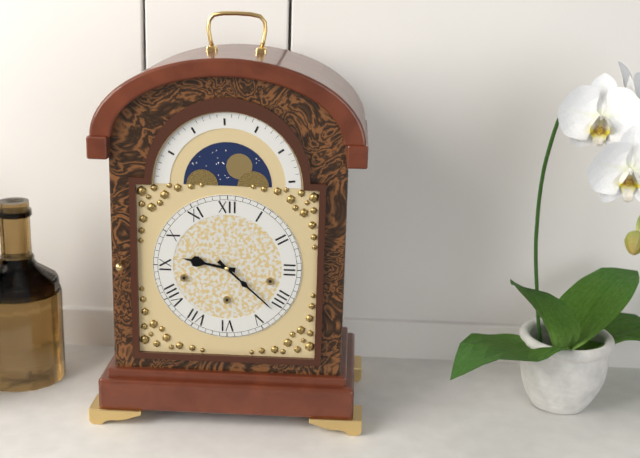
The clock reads 9:22
